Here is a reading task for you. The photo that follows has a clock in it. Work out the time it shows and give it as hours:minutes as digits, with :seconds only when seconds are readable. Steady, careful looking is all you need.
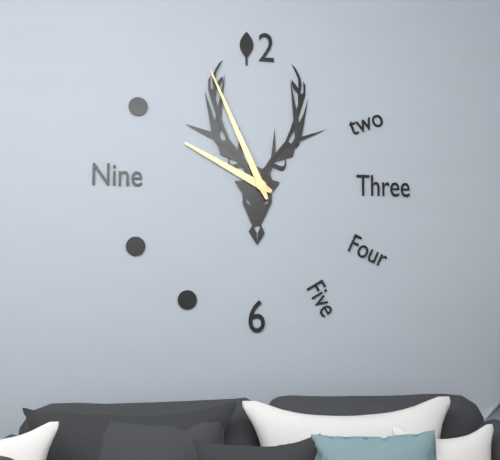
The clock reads 9:56
